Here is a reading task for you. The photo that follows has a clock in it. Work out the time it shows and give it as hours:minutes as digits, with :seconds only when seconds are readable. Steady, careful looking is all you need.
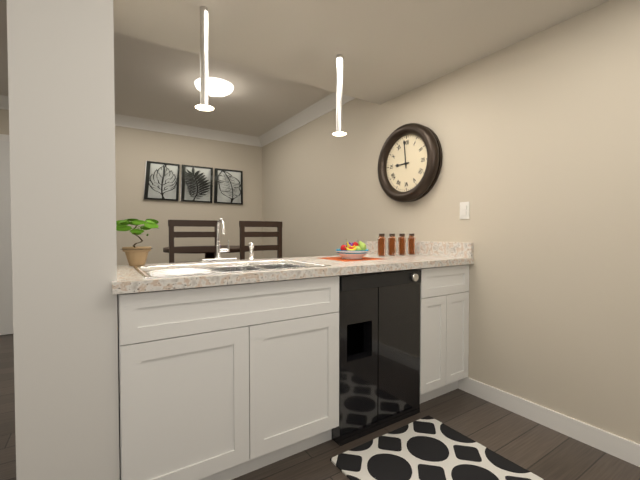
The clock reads 8:59
